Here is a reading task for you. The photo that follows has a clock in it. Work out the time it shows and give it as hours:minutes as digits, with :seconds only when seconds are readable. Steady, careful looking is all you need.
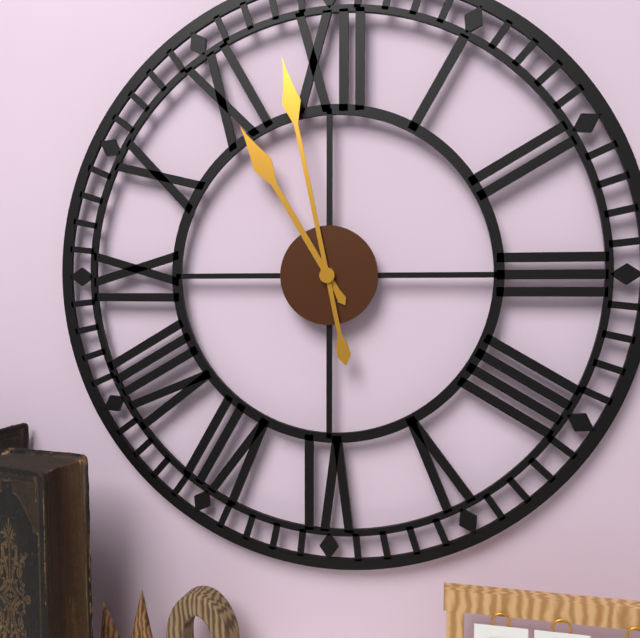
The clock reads 10:58
